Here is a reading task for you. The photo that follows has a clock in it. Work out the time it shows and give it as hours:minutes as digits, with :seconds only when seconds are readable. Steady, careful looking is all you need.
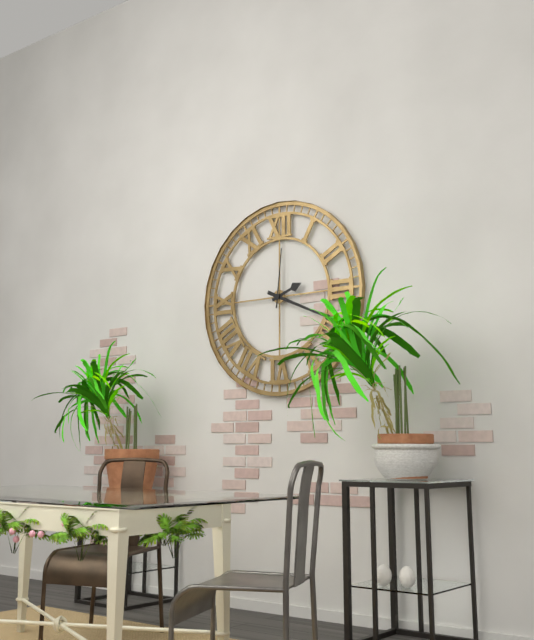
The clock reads 2:19:01
